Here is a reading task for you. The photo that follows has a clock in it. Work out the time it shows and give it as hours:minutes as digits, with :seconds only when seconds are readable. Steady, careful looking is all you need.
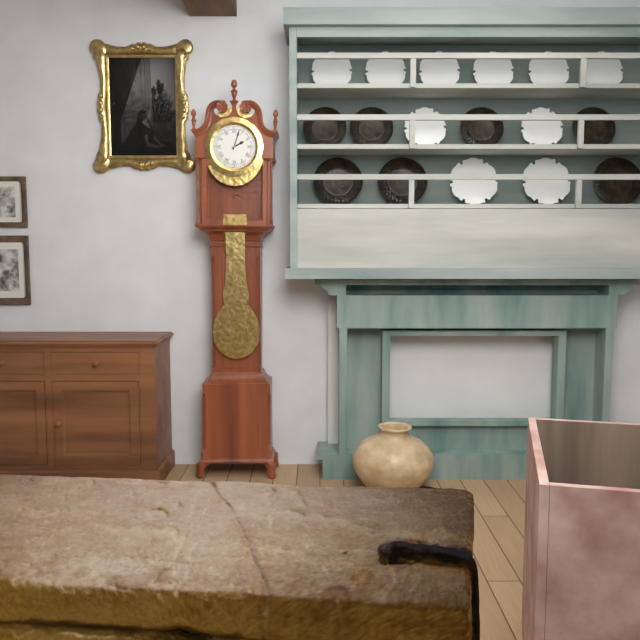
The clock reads 2:03
